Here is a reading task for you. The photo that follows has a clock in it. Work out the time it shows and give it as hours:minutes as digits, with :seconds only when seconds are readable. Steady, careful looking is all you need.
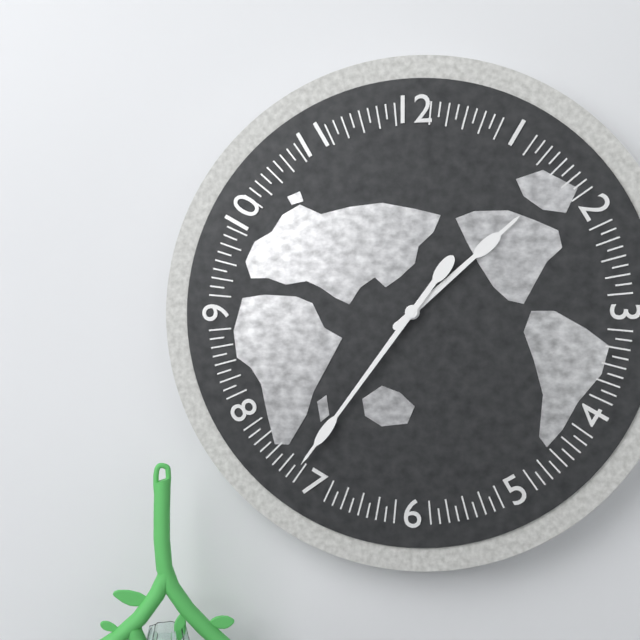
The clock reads 1:36
